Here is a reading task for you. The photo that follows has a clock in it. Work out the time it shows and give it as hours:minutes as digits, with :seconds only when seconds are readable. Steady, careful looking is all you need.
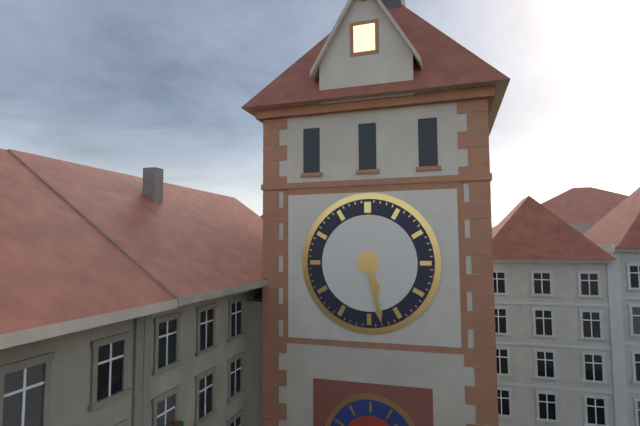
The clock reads 5:28
